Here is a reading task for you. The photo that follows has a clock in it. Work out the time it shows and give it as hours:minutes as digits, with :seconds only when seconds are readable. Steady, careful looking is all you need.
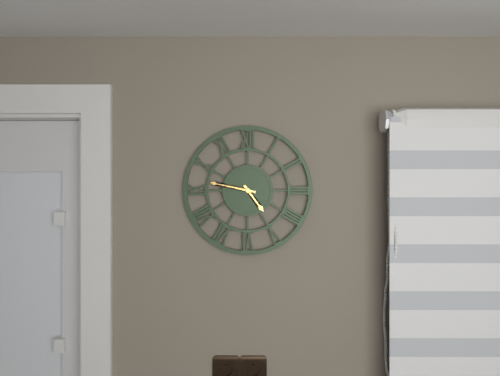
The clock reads 4:47
